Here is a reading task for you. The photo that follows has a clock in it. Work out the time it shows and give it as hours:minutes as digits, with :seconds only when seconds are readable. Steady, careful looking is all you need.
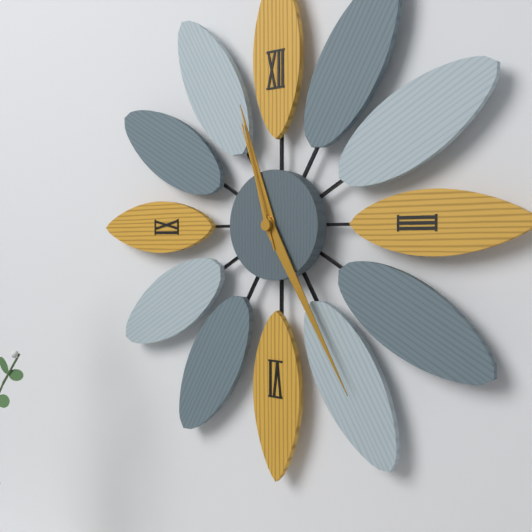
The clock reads 11:25:57
